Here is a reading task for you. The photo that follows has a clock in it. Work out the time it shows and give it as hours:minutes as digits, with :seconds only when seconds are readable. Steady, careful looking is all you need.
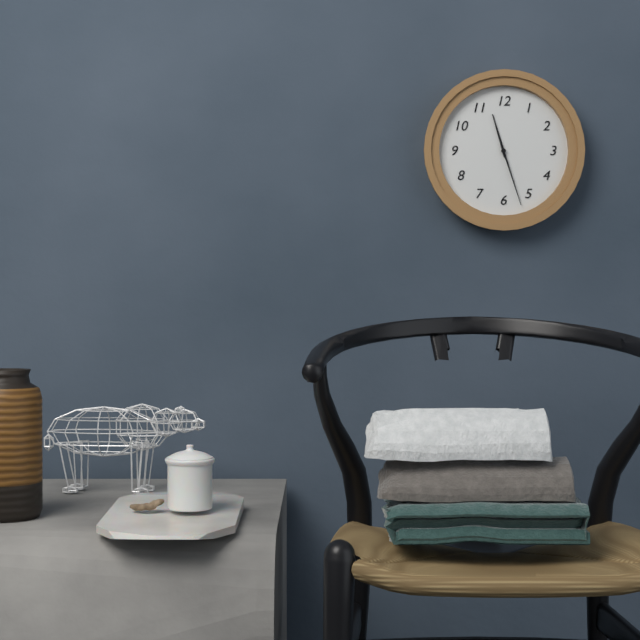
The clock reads 11:27
